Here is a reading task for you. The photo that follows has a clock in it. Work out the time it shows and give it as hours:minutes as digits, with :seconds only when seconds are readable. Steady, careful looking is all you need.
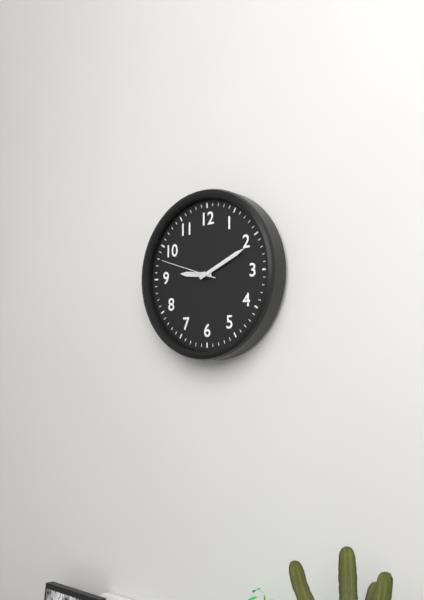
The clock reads 9:11:48
